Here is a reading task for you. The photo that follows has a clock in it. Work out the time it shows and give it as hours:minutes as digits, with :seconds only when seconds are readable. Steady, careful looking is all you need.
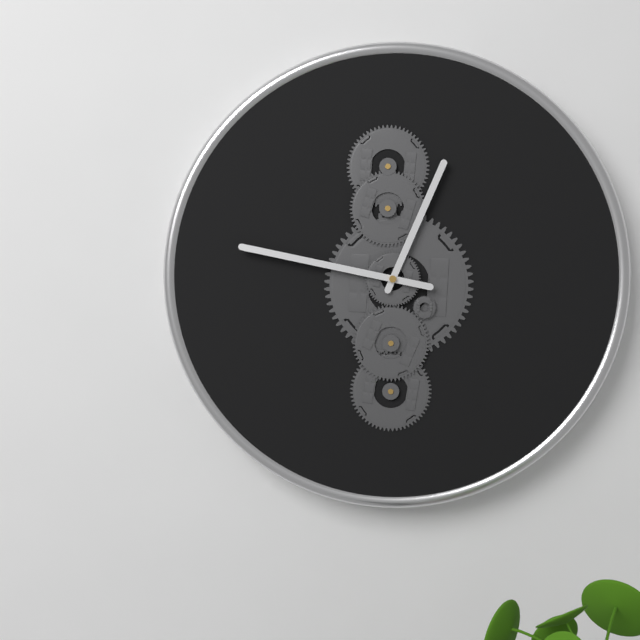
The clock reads 12:47
